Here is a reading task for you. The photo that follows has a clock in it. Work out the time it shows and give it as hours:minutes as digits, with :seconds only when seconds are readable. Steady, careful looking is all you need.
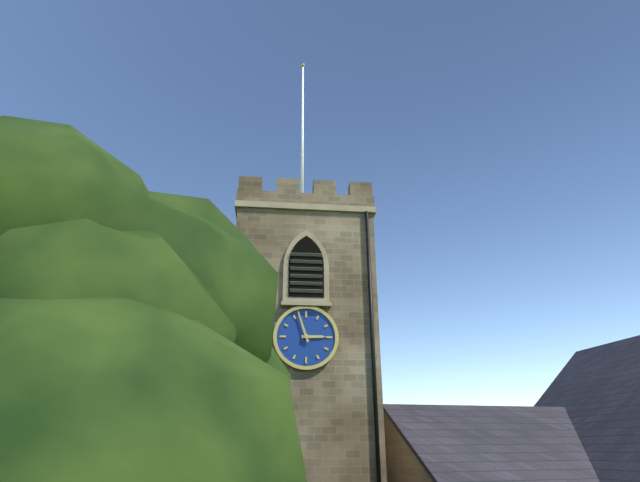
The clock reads 2:57
